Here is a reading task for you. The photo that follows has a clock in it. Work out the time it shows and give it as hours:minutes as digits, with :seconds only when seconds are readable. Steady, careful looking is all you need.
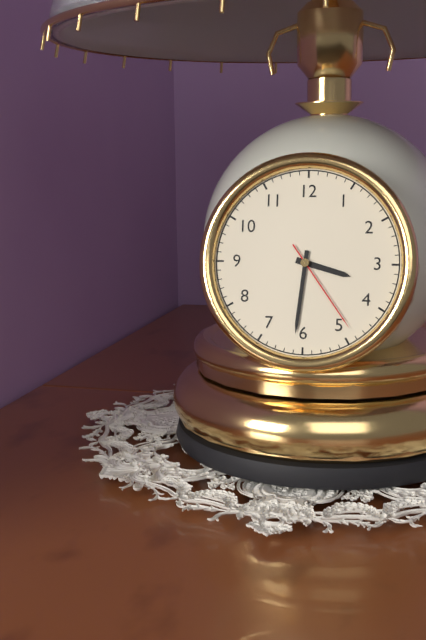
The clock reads 3:31:24
